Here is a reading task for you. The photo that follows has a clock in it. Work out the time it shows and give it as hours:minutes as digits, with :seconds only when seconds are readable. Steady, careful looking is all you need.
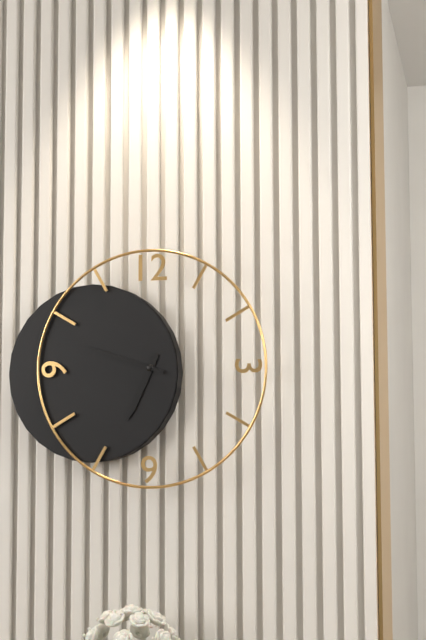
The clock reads 6:48
